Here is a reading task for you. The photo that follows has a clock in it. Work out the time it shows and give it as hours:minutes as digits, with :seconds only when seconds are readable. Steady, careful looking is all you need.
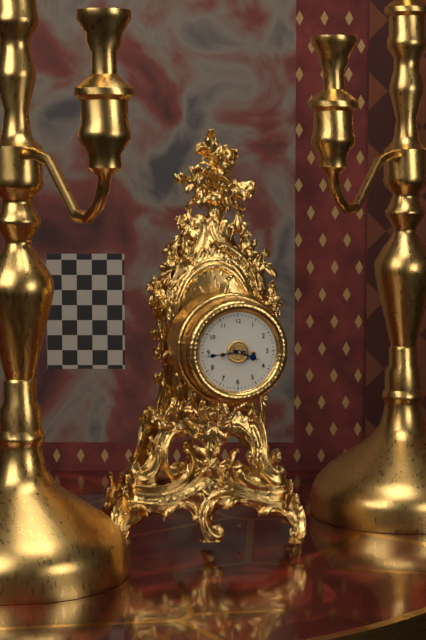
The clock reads 3:44
